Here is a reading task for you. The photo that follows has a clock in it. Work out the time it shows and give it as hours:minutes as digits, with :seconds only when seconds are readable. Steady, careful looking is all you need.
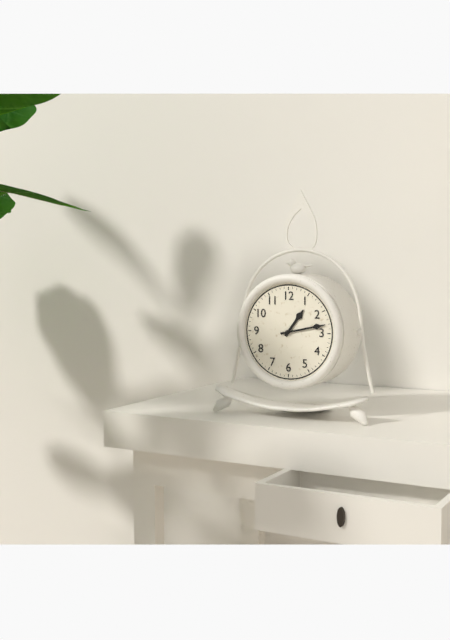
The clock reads 1:13
